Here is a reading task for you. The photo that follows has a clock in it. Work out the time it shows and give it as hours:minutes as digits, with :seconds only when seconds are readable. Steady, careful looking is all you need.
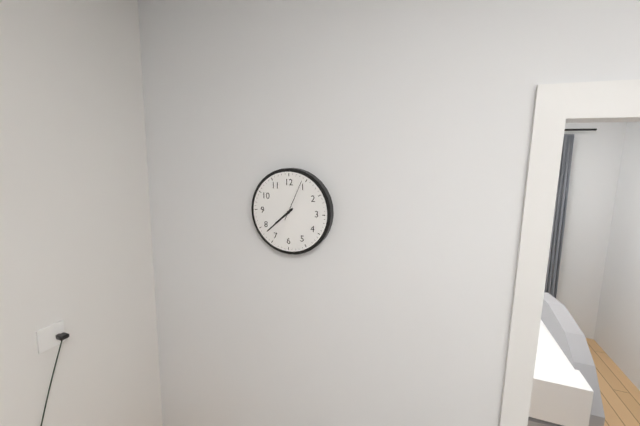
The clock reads 7:38
